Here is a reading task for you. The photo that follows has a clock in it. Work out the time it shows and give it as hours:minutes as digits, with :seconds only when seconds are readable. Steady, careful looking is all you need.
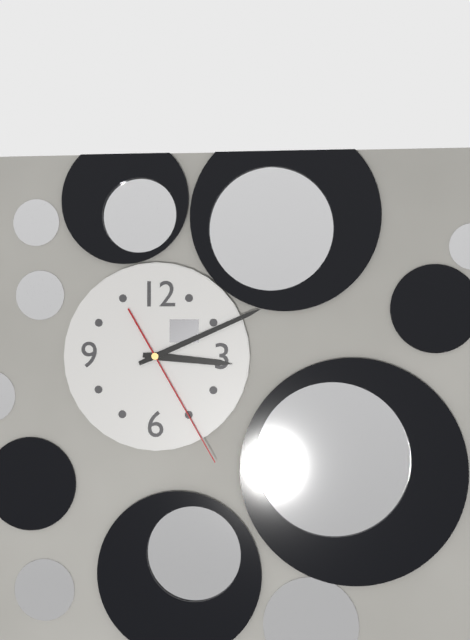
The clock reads 3:11:25
